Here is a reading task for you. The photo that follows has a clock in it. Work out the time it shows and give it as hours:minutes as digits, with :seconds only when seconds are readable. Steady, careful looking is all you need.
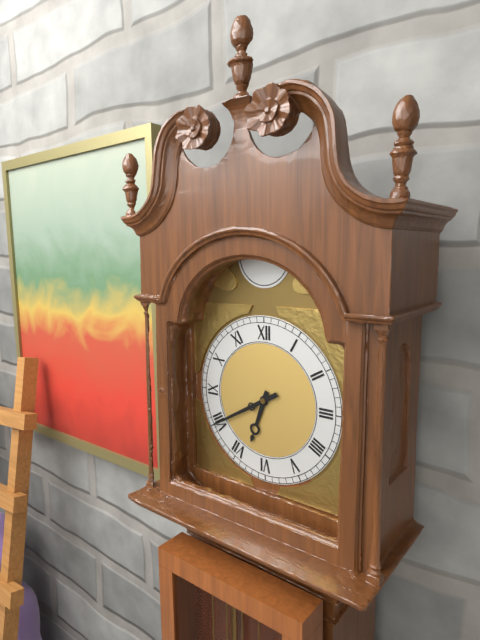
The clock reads 6:40
